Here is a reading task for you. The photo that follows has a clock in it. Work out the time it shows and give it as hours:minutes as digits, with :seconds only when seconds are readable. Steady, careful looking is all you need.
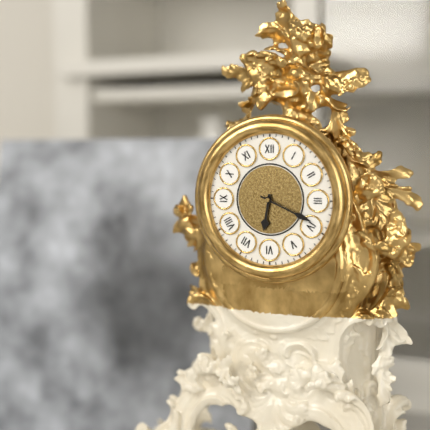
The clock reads 6:19
